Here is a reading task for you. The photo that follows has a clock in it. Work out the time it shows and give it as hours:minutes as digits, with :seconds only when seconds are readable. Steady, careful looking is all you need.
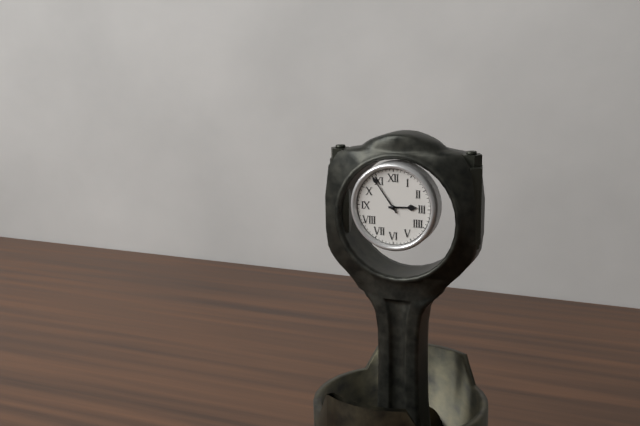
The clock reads 2:54
